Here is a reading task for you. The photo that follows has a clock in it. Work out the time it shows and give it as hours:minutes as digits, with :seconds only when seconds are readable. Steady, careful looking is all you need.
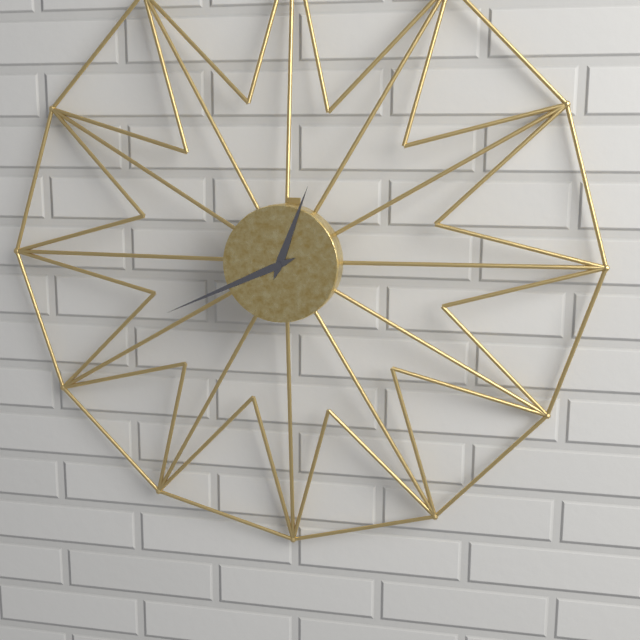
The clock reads 12:41
